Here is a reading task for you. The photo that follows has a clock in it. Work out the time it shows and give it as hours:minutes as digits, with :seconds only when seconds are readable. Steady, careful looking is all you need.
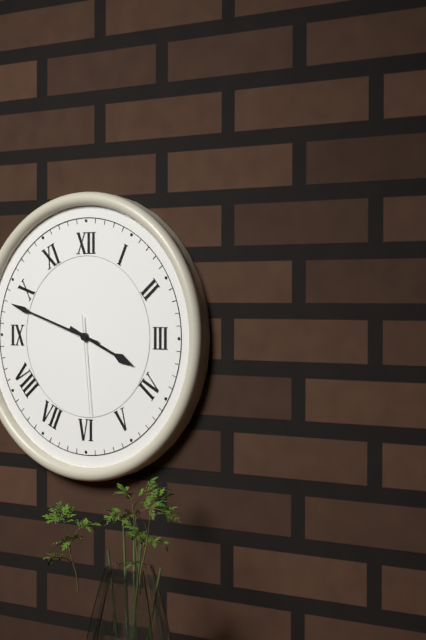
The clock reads 3:48:29
